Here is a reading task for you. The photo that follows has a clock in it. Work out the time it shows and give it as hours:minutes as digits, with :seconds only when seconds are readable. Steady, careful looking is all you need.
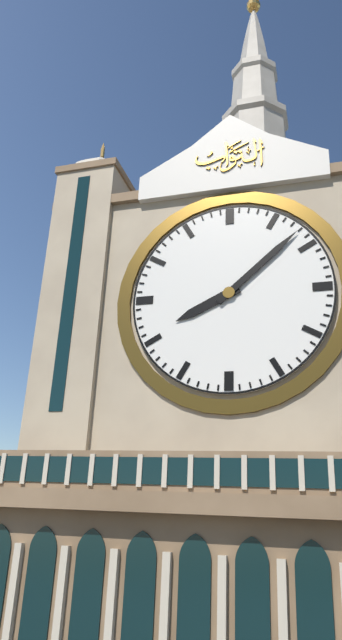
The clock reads 8:08
